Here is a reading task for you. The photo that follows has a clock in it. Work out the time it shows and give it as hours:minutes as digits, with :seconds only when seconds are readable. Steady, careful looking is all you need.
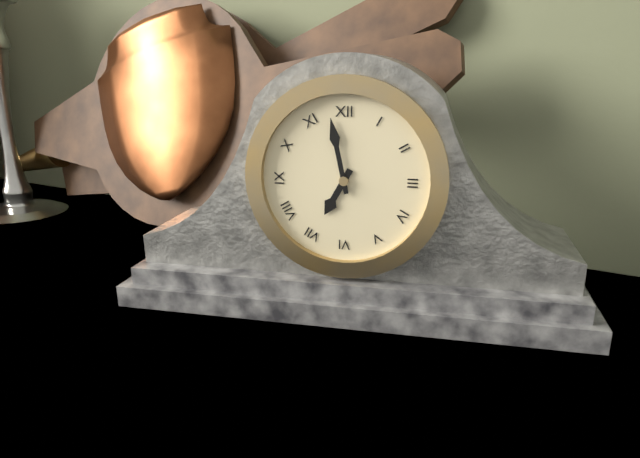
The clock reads 6:58
